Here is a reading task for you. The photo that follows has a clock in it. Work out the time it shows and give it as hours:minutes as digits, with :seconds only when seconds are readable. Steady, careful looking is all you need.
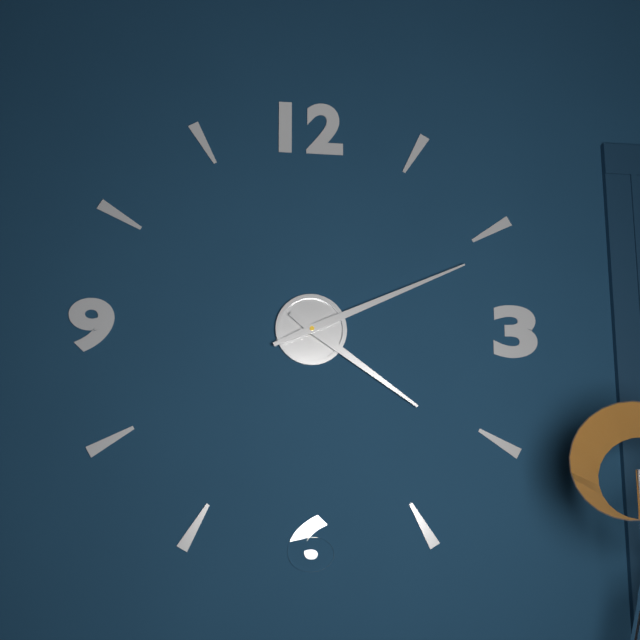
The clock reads 4:11
